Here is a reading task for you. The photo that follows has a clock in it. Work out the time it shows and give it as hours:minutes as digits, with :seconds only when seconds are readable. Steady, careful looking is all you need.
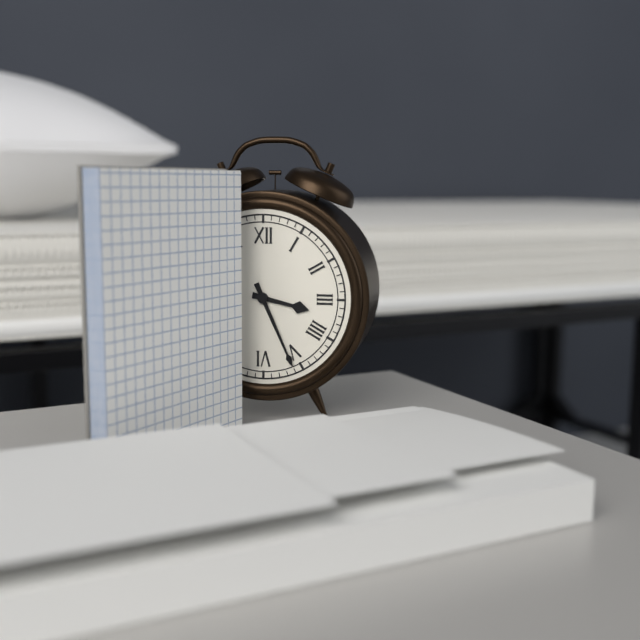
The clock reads 3:26
